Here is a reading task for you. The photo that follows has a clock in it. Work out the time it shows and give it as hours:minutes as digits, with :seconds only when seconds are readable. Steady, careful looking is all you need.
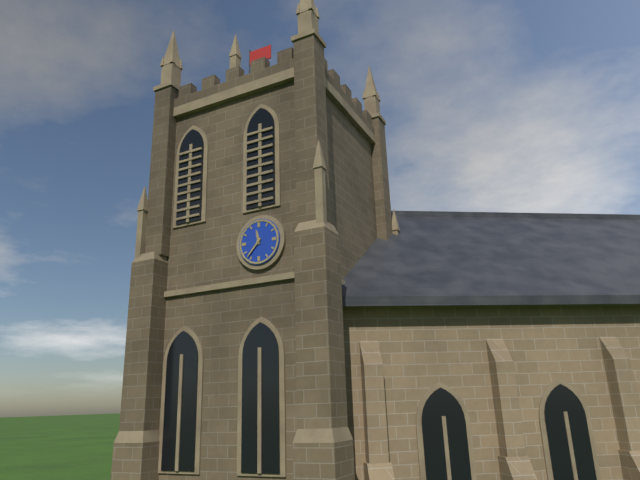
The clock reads 11:37
